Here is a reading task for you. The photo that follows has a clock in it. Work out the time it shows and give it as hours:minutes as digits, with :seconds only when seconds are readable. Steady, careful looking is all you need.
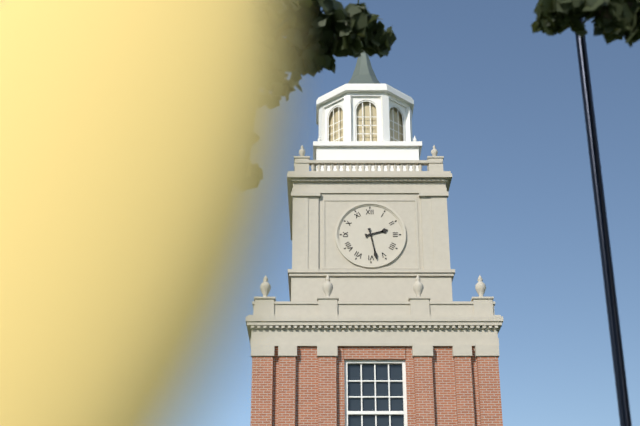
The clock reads 2:28
